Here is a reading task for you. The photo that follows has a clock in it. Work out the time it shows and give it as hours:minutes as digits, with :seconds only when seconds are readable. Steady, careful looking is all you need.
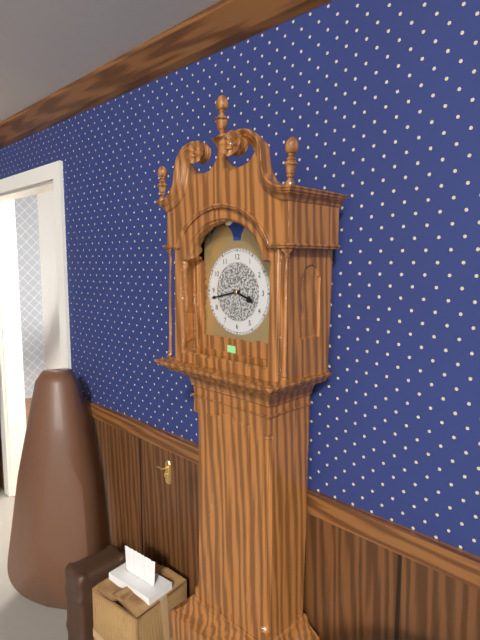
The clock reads 3:43
